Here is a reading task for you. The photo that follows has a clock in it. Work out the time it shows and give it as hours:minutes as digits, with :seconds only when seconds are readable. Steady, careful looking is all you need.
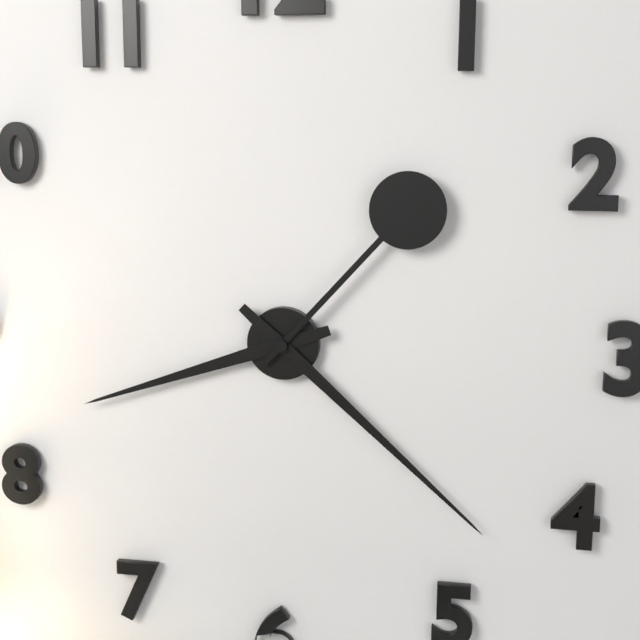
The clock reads 8:22:07
